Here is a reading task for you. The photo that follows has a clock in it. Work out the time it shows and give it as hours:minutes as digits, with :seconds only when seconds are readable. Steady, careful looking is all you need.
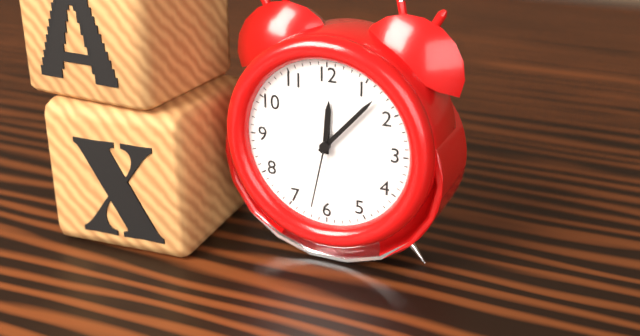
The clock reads 12:07:32
